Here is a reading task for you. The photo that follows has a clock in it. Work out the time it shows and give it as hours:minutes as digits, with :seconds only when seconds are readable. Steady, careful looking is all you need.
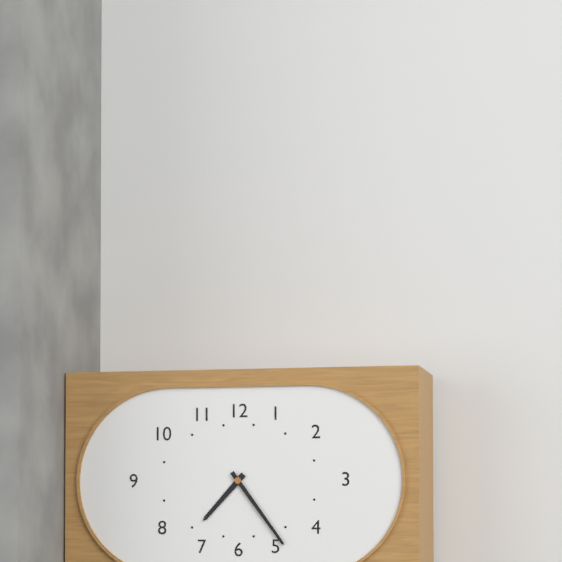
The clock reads 7:24
